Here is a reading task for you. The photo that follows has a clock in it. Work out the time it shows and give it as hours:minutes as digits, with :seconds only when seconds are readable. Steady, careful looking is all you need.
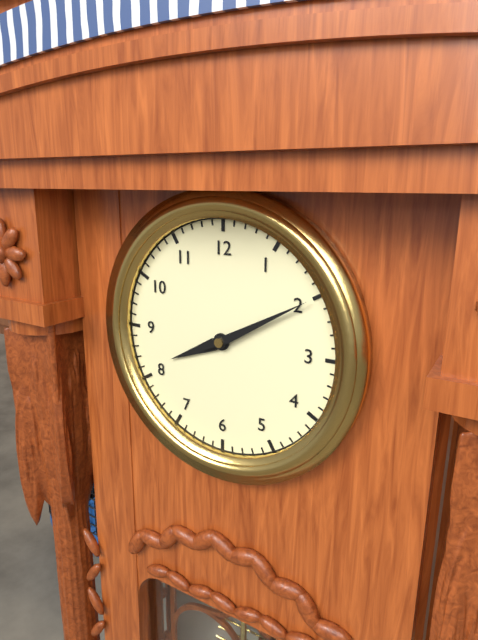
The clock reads 8:10
